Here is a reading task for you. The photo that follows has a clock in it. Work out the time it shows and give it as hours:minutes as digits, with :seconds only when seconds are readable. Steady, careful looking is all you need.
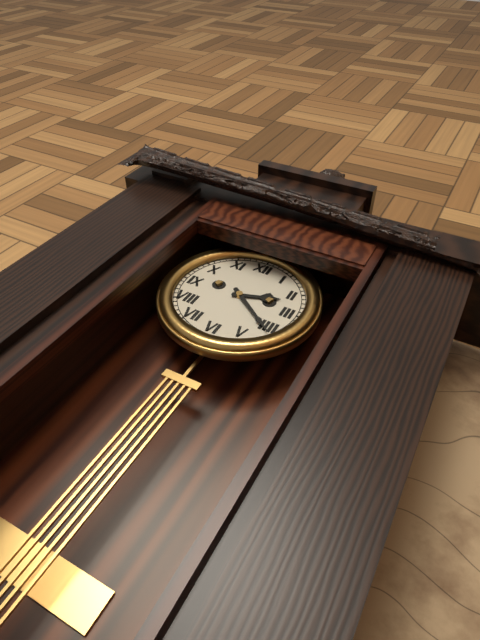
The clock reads 2:21
